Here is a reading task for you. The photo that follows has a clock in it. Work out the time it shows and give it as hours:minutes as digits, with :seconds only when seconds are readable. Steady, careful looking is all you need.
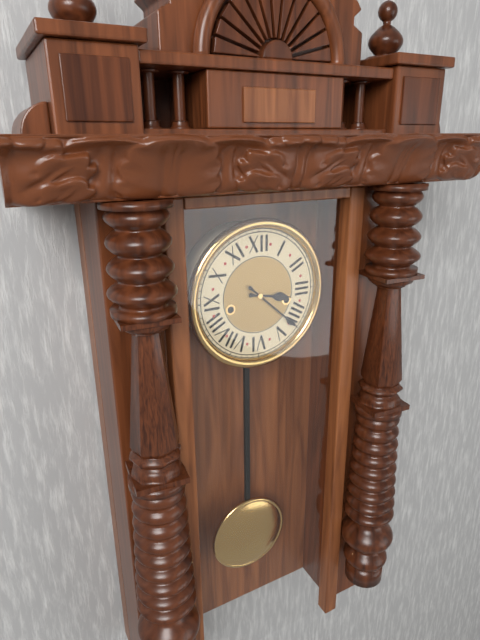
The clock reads 3:22
